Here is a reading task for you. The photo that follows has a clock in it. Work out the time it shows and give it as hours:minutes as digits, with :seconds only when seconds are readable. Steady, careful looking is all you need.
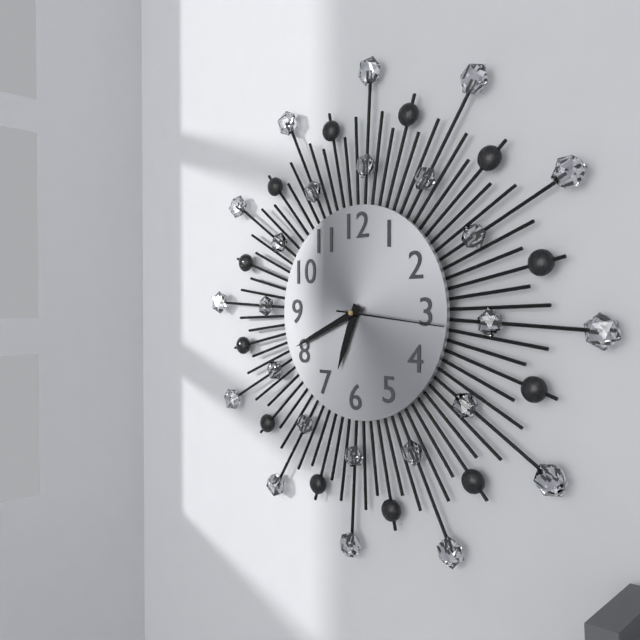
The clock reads 6:41:16
